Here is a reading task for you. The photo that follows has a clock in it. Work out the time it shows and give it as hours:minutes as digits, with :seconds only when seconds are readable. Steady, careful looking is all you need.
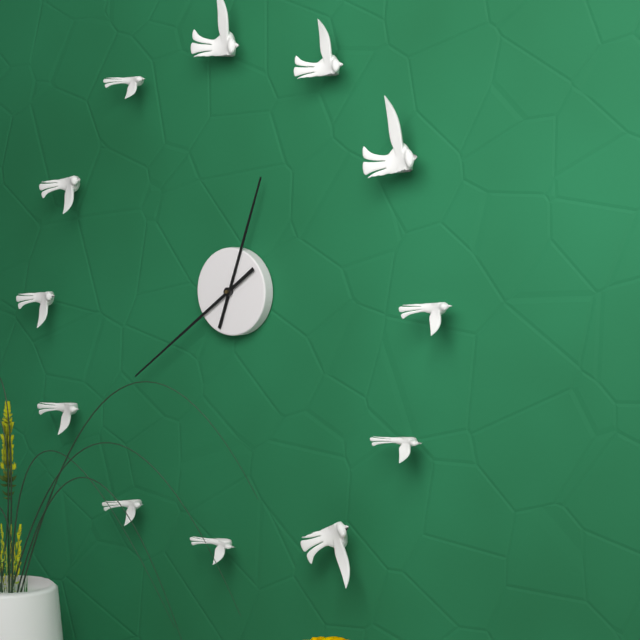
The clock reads 12:39
